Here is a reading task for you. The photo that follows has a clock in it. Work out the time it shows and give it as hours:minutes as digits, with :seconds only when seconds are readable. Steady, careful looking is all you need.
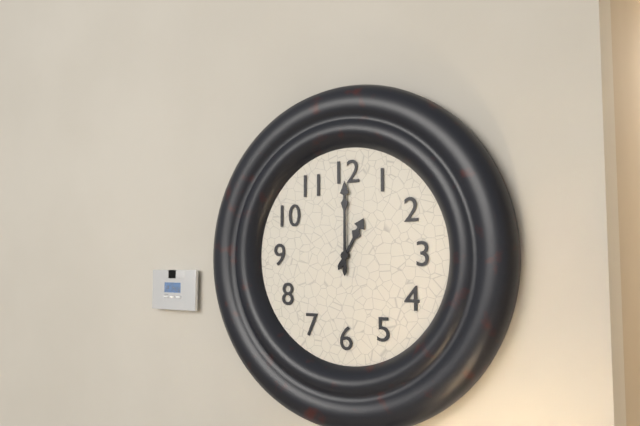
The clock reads 1:00
